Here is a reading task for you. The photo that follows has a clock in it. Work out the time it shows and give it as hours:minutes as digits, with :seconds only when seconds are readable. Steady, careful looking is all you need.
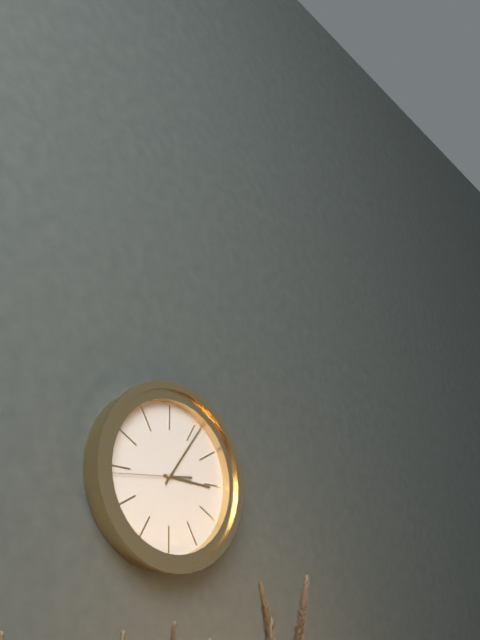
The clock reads 3:06:44
